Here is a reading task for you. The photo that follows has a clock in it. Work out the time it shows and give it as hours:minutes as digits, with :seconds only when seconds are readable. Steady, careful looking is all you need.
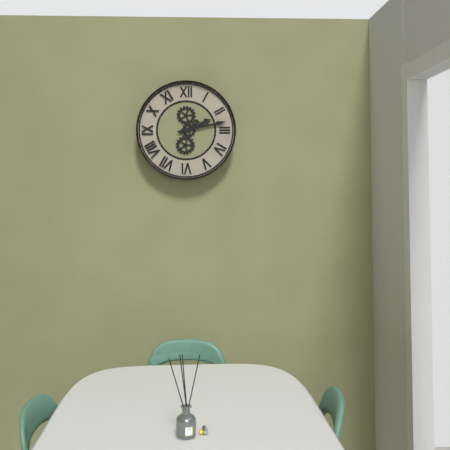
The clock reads 2:13
